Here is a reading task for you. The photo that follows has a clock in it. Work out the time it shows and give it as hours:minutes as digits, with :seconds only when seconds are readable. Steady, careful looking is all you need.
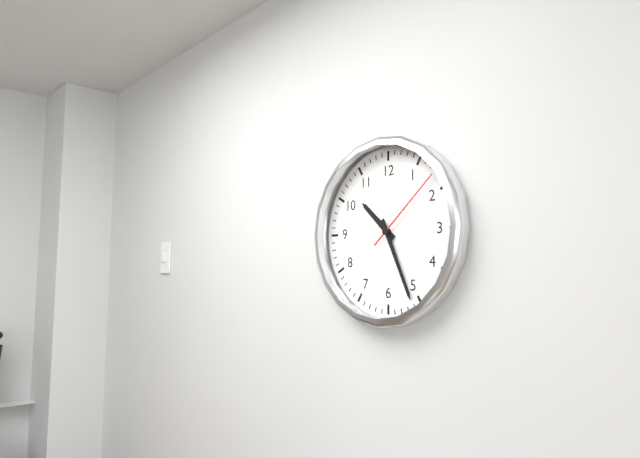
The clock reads 10:26:08
